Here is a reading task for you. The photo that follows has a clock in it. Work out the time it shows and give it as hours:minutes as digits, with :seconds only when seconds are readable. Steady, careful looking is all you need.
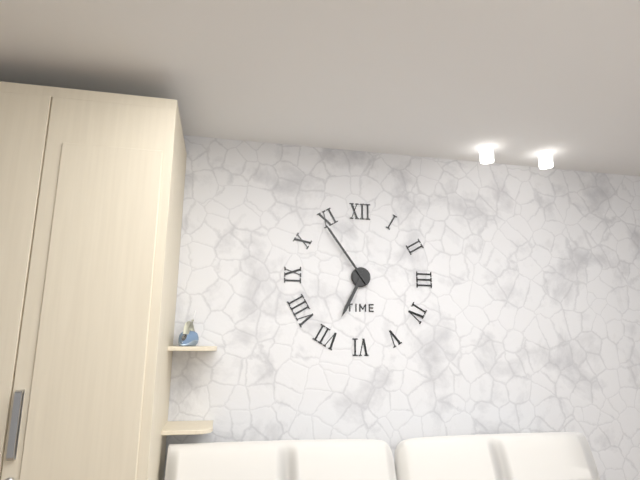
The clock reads 6:54
